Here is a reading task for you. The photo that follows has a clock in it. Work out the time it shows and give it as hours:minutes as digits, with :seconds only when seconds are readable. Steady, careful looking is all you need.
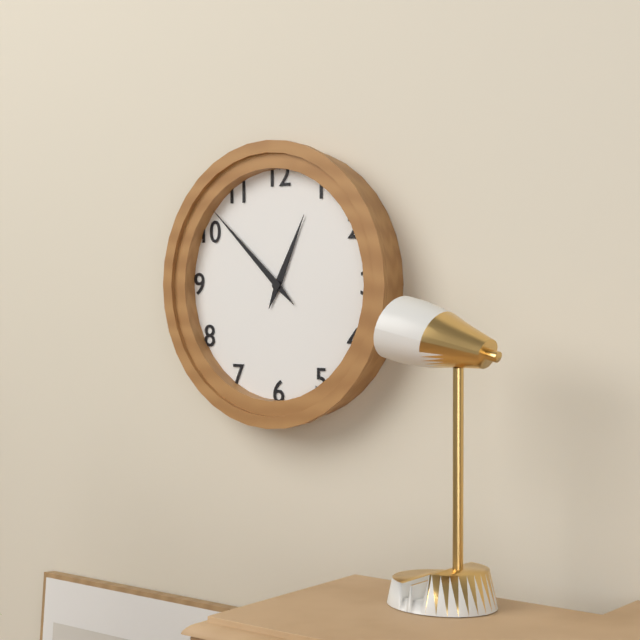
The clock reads 12:52
